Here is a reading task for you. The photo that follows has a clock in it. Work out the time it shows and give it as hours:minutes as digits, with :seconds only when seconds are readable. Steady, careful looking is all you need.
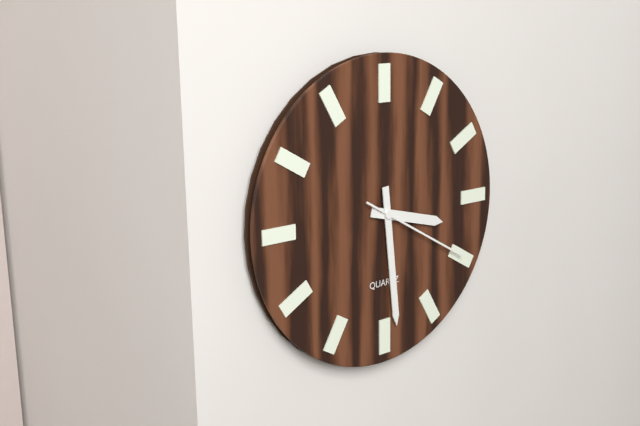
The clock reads 3:29:20
